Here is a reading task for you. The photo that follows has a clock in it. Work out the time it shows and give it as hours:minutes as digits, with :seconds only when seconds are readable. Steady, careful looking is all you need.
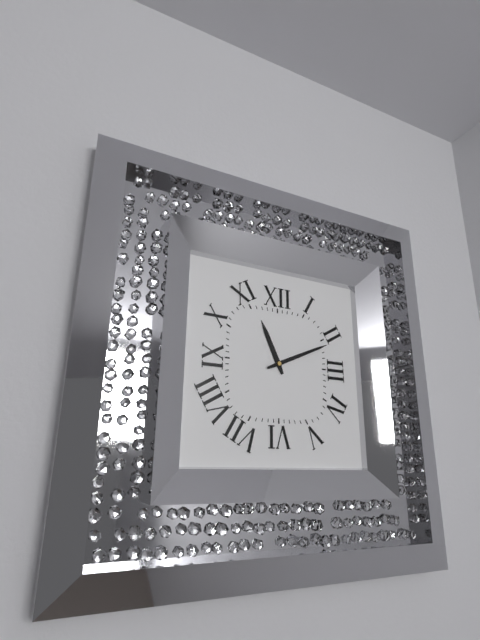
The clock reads 11:11
